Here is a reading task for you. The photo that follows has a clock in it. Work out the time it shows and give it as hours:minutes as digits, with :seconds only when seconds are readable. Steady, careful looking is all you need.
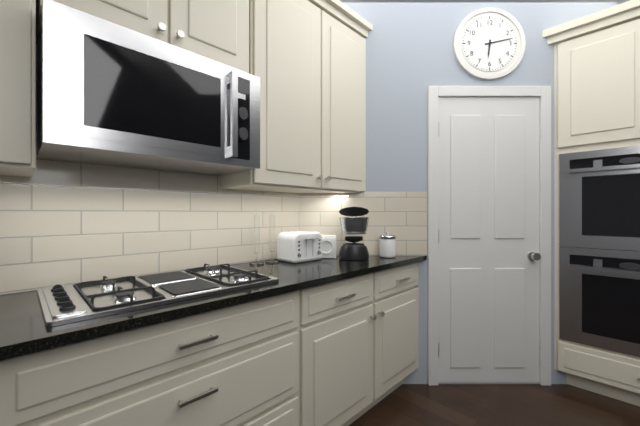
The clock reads 6:13
